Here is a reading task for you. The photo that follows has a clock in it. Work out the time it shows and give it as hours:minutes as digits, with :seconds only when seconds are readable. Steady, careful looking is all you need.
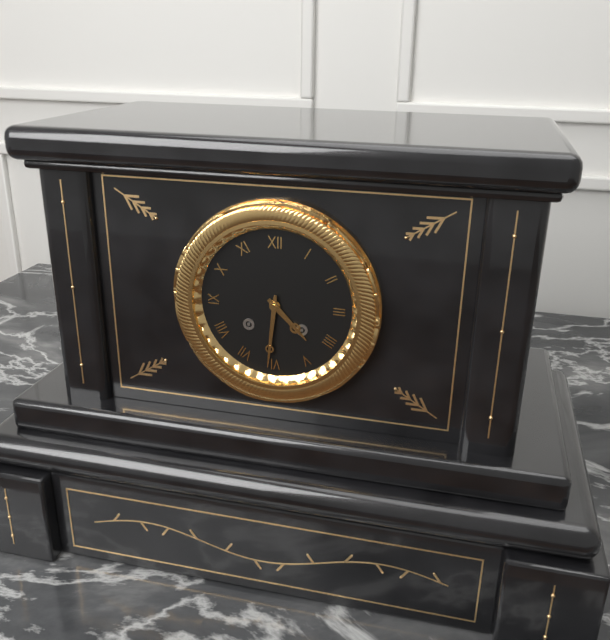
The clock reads 4:31
